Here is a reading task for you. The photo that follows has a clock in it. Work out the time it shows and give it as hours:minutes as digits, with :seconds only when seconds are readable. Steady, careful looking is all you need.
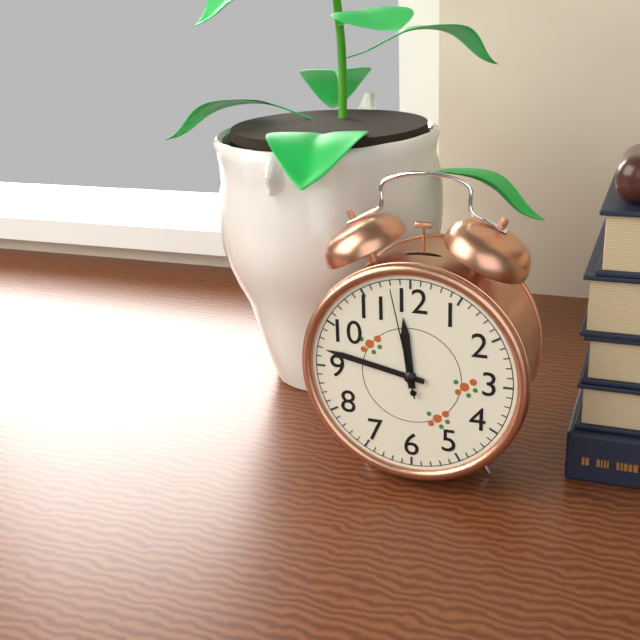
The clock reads 11:47:58
